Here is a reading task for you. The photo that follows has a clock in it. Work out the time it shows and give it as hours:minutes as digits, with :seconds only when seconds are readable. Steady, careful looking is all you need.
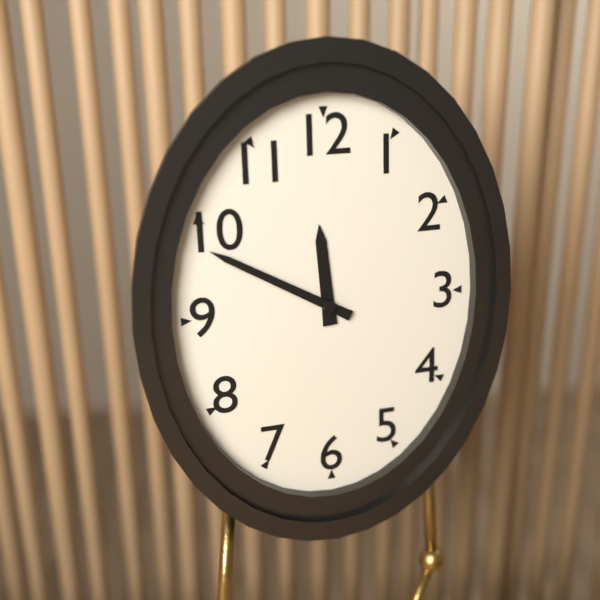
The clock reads 11:50
